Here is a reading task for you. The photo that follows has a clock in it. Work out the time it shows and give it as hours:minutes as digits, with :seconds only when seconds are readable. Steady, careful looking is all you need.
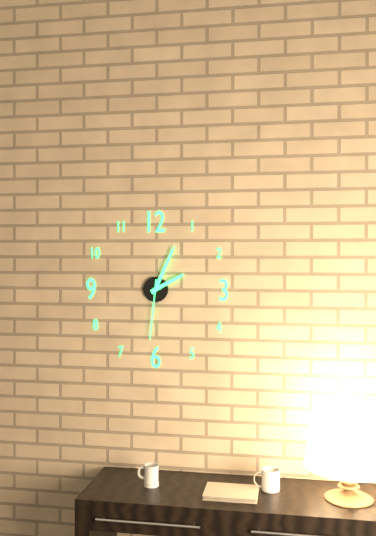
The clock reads 2:04:31
